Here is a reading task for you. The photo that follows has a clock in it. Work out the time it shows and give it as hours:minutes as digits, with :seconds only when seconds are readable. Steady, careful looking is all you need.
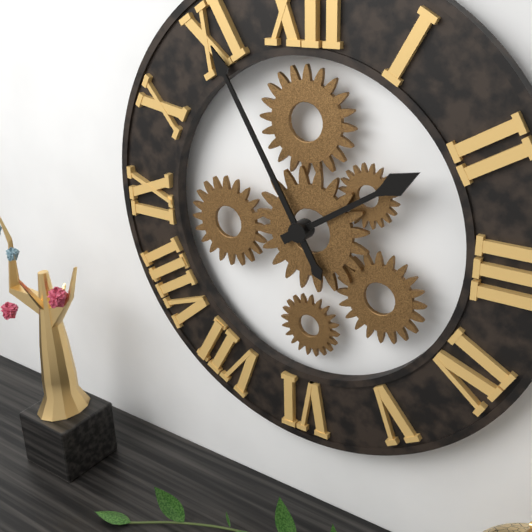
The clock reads 1:55
